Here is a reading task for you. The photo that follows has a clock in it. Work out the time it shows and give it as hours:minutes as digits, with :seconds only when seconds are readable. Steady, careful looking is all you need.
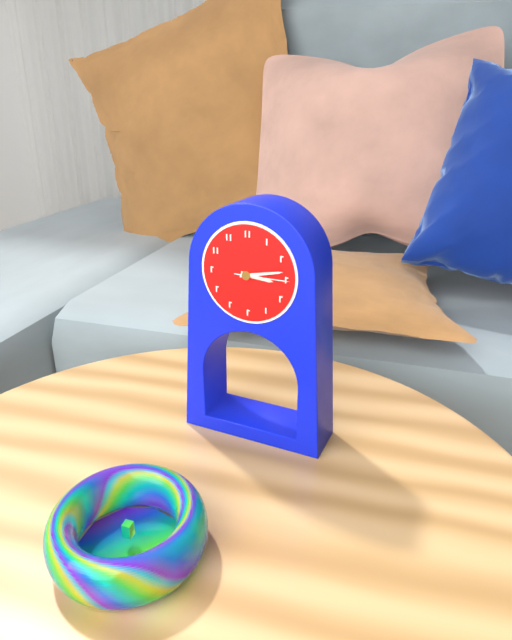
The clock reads 3:13:15
